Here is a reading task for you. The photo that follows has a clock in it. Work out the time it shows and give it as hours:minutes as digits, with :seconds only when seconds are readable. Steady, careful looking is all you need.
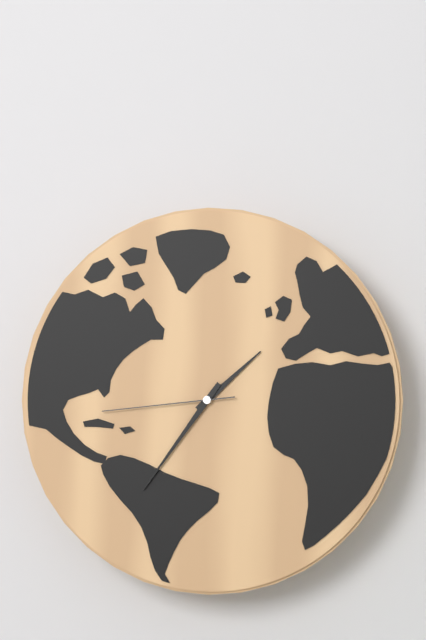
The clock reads 1:36:44
